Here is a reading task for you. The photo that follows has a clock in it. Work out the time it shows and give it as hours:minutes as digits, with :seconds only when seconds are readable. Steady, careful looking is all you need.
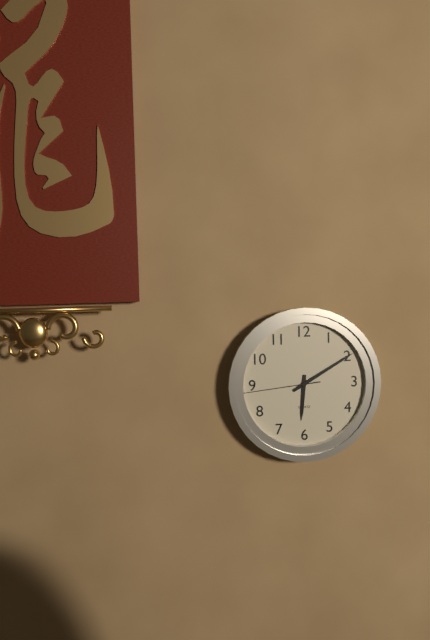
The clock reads 6:10:44
